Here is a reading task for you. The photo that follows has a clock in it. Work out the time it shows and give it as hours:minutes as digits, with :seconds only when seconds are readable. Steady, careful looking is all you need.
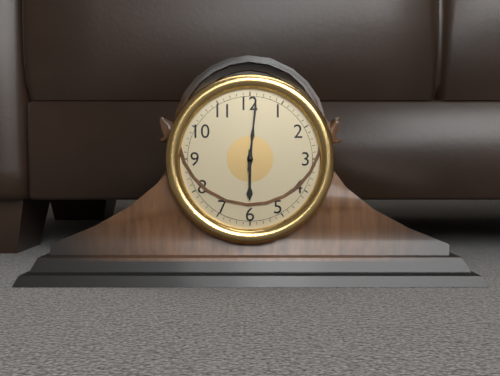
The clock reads 6:01
